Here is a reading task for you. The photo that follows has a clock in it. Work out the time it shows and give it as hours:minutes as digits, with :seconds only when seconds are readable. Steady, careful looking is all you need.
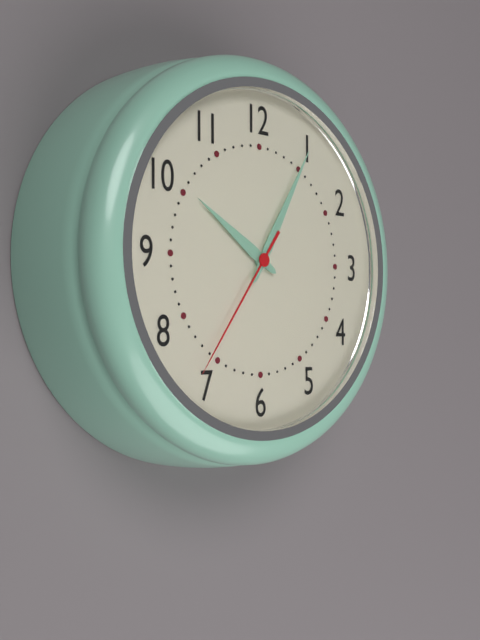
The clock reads 10:05:36
